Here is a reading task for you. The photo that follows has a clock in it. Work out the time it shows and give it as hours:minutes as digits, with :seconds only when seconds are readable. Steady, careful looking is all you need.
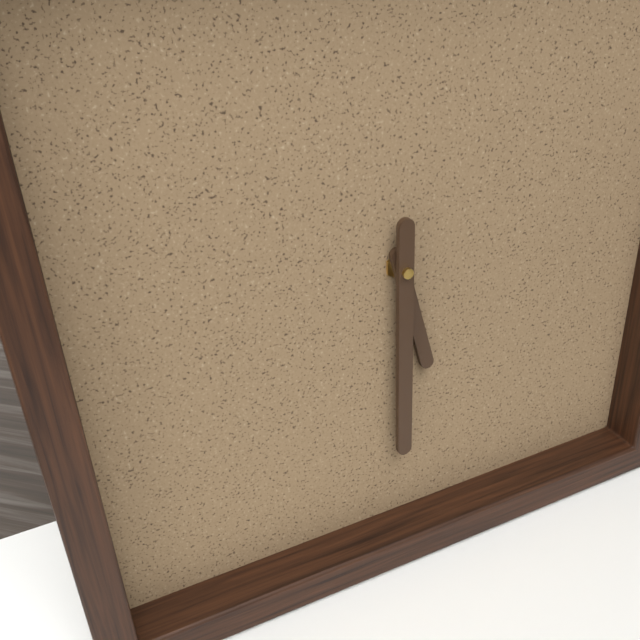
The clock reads 5:30
